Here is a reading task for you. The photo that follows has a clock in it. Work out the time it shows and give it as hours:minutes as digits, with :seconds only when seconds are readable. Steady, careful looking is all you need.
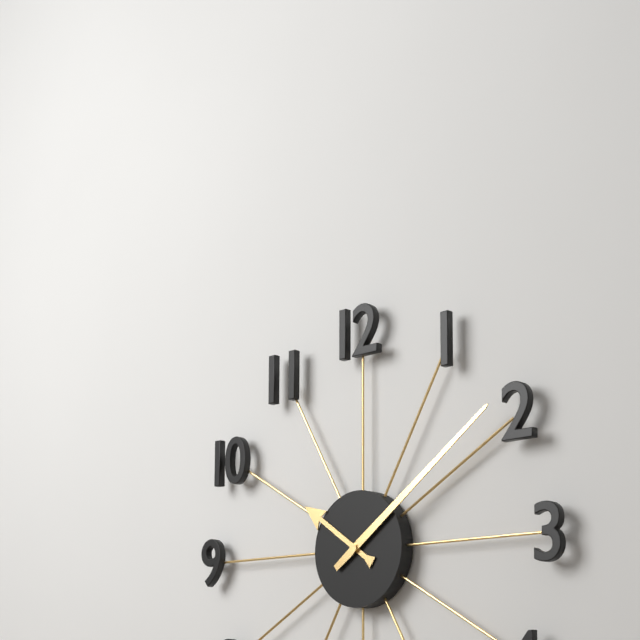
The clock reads 10:09
